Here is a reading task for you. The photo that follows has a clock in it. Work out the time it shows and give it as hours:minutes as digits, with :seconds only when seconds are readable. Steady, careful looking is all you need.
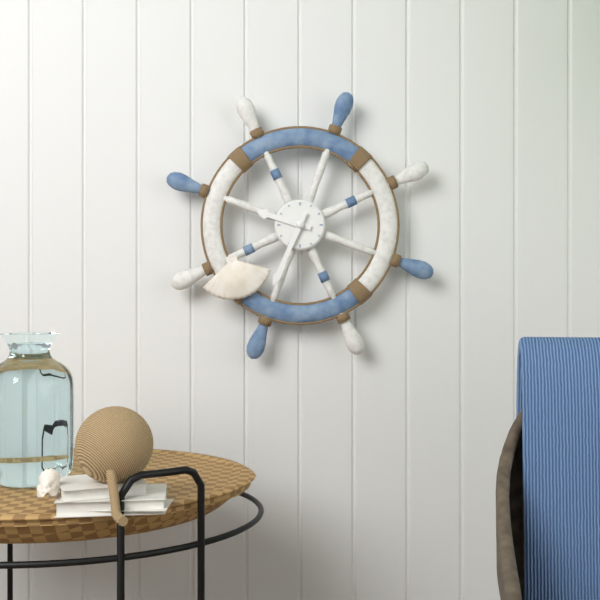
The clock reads 9:34
